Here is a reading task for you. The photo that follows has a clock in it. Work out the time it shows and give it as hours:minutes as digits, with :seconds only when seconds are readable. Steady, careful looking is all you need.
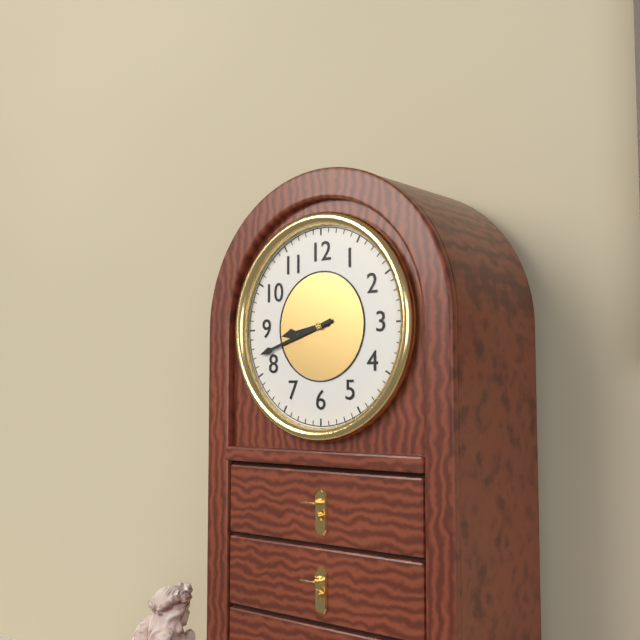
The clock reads 8:42
